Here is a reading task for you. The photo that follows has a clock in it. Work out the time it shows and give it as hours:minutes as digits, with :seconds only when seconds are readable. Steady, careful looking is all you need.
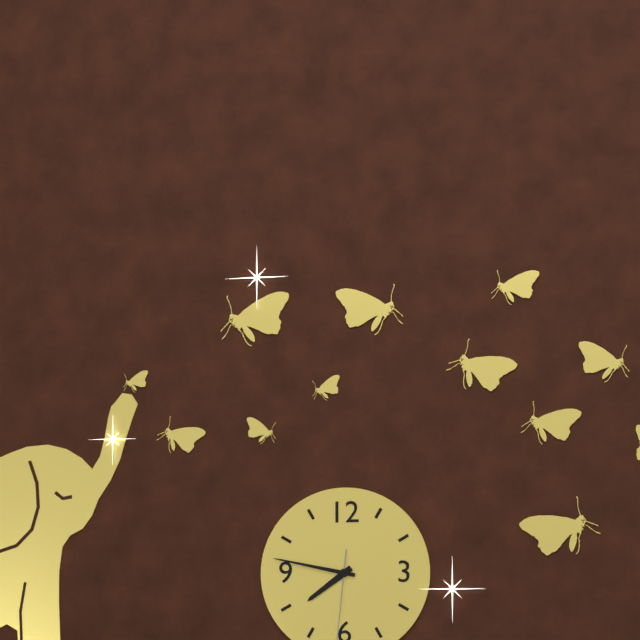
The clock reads 7:47
